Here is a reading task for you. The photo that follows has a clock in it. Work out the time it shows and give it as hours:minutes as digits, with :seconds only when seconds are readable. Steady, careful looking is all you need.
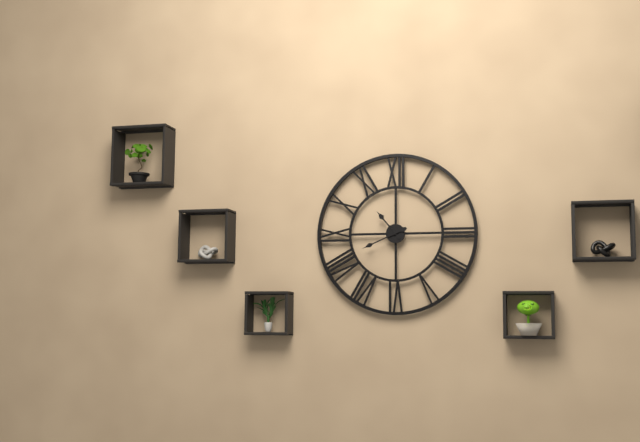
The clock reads 10:41
